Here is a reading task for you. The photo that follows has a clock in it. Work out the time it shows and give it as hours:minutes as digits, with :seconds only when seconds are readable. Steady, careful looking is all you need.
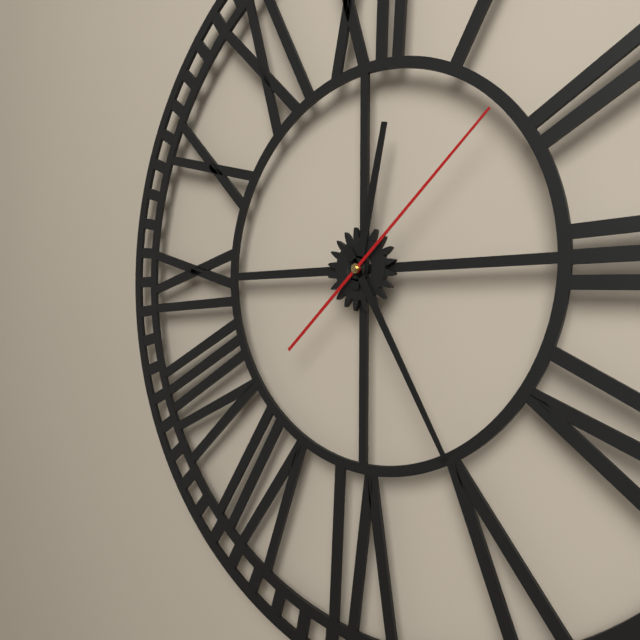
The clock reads 12:25:08
